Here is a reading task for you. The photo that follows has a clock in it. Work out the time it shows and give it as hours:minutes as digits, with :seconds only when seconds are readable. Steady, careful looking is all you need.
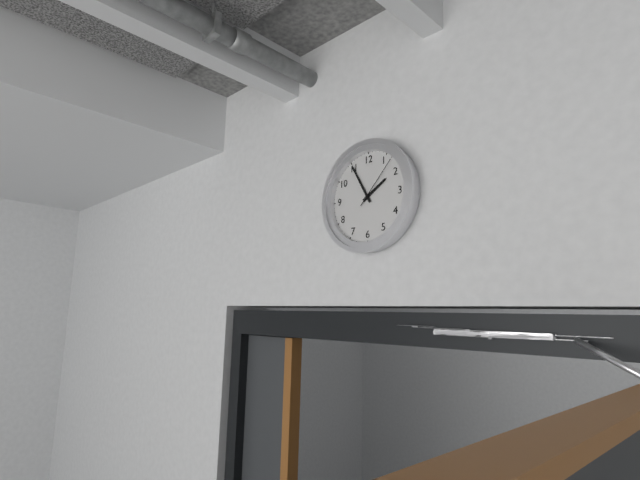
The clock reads 1:55:07
